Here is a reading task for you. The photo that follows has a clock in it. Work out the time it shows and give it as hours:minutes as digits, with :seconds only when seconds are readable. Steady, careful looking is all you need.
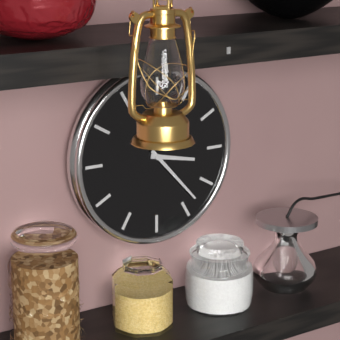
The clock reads 3:23
